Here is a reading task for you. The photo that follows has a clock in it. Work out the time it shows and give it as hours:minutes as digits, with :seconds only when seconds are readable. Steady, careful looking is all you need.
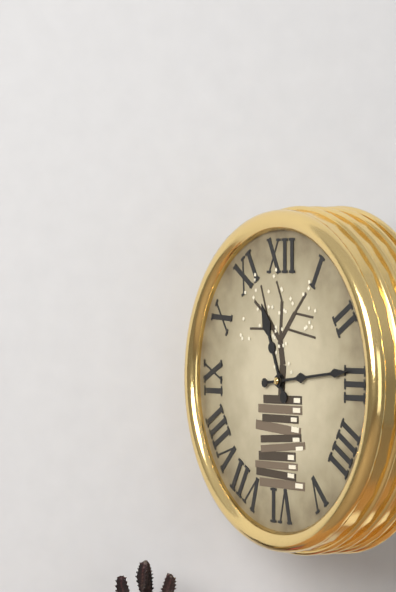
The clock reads 11:14
